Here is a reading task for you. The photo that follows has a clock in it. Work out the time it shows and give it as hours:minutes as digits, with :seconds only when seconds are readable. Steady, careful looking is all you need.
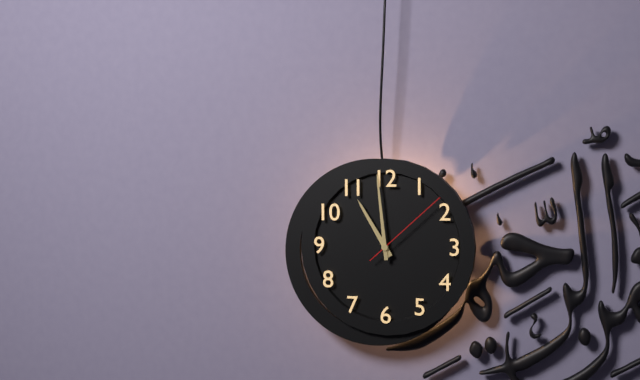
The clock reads 10:59:08
